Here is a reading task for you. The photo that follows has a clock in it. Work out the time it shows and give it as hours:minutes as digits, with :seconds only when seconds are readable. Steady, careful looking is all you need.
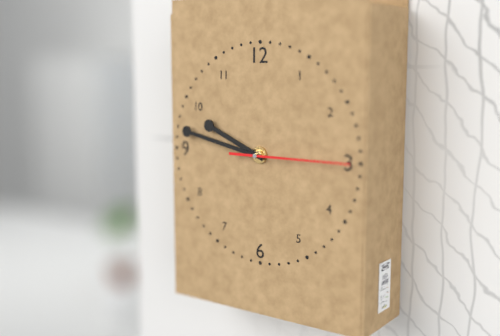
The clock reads 9:47:15
